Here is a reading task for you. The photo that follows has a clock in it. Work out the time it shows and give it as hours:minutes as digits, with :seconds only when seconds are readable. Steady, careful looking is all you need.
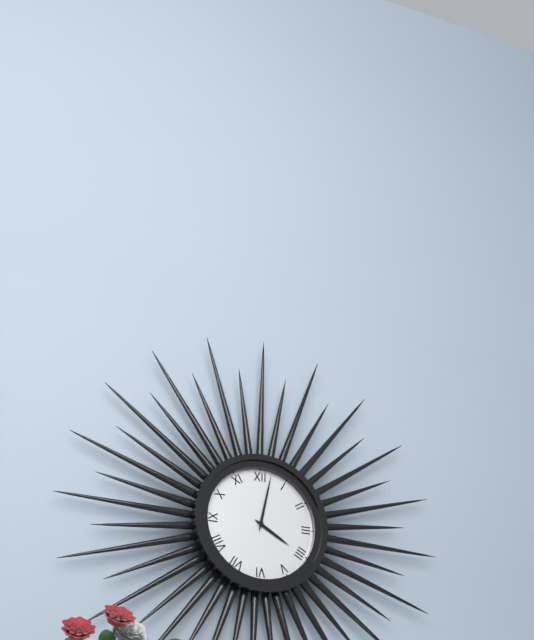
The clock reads 4:02
